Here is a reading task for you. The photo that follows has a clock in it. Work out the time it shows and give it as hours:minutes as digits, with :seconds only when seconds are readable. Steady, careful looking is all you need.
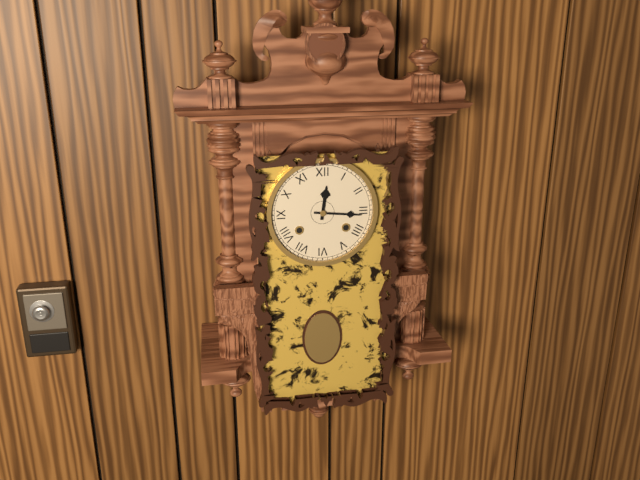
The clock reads 12:16
